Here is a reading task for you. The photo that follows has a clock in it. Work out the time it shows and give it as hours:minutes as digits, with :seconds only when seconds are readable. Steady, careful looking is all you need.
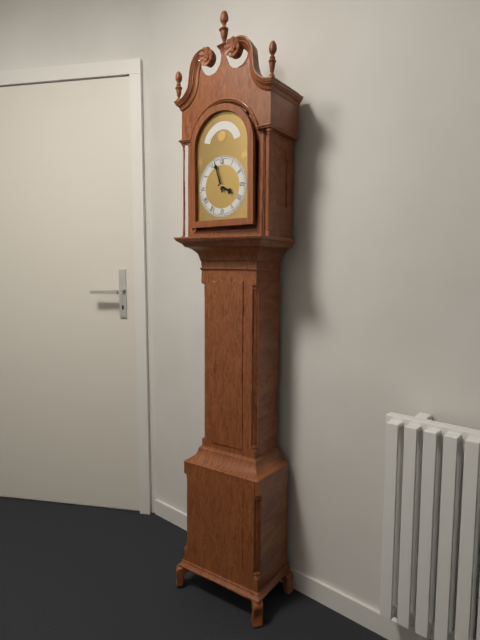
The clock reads 3:57
